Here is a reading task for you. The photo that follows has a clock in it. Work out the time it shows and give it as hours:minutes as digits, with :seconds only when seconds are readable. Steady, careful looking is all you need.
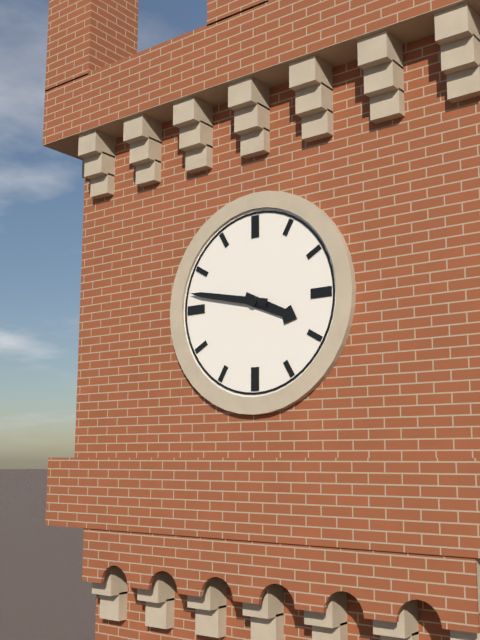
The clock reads 3:47
